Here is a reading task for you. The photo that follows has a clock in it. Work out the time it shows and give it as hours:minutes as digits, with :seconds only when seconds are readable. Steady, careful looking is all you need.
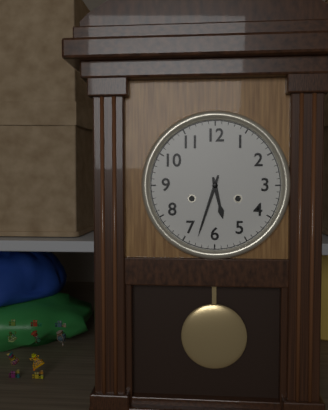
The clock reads 5:33
